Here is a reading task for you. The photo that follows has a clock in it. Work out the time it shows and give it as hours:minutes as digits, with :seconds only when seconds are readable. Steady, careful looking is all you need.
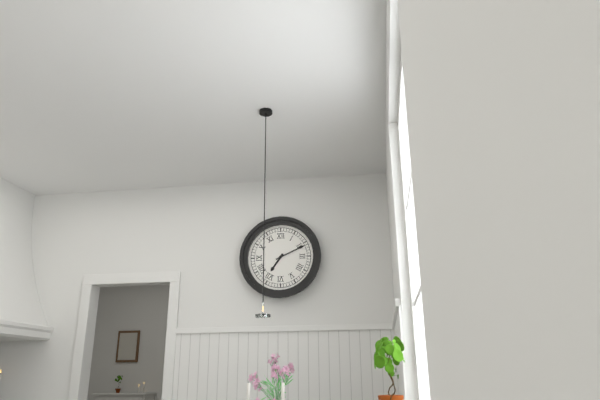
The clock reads 7:11
